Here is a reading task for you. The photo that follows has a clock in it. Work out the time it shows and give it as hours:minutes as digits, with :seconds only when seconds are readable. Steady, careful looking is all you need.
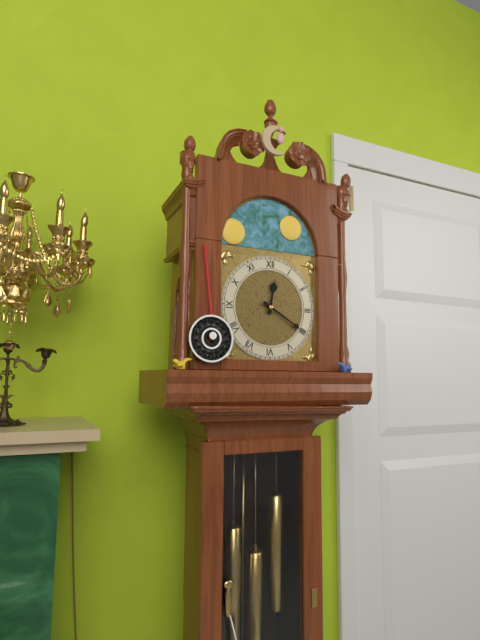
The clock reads 12:20
